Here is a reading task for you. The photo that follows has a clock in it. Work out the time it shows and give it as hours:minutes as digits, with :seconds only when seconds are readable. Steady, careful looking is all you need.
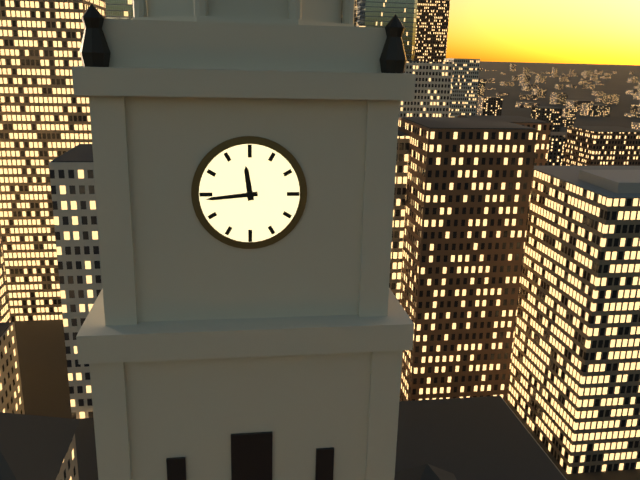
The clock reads 11:44
